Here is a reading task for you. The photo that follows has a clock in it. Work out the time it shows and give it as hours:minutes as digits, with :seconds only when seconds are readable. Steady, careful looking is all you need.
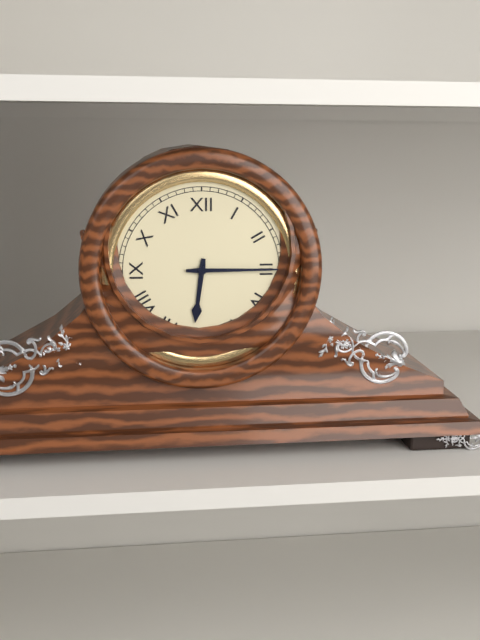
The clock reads 6:15
